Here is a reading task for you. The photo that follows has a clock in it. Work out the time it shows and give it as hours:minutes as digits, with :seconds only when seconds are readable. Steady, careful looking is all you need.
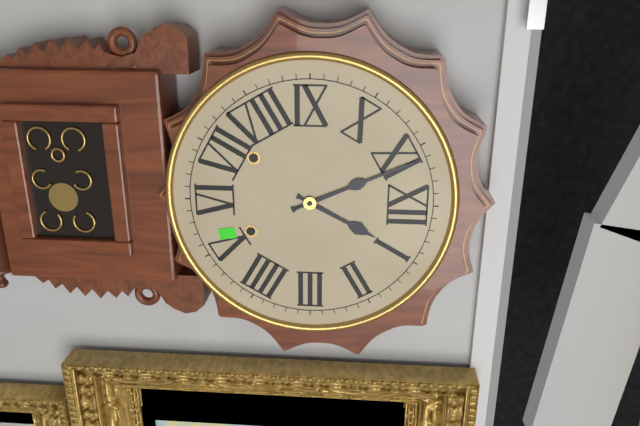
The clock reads 12:56
